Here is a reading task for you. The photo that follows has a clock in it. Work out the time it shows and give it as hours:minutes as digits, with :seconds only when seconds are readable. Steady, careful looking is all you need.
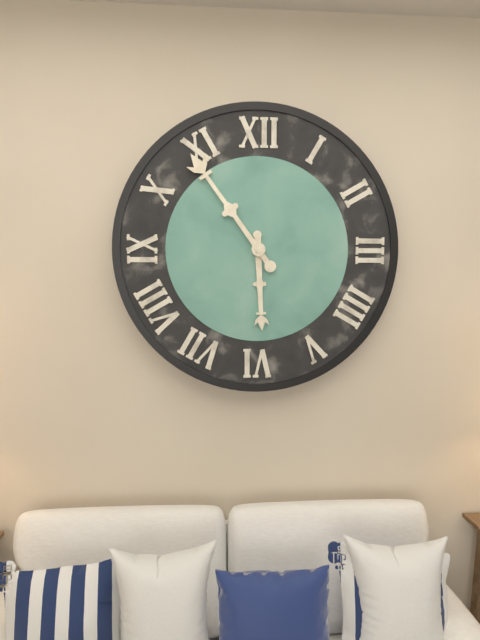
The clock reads 5:54
